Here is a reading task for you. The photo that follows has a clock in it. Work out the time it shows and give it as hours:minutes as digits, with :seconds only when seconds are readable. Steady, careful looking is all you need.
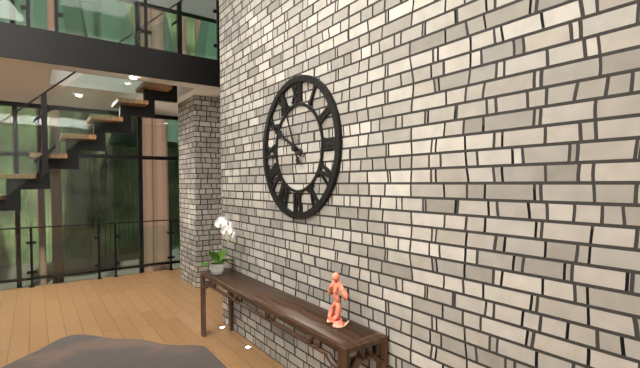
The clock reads 9:56
